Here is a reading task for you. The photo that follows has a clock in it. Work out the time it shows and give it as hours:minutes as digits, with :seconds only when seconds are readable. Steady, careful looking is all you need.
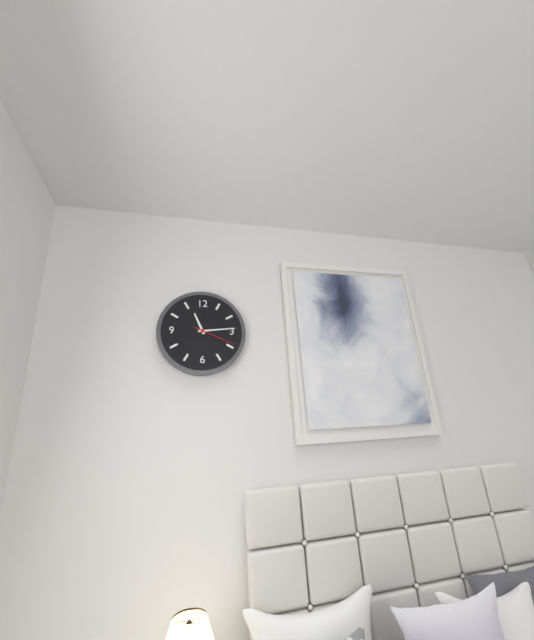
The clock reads 11:14
